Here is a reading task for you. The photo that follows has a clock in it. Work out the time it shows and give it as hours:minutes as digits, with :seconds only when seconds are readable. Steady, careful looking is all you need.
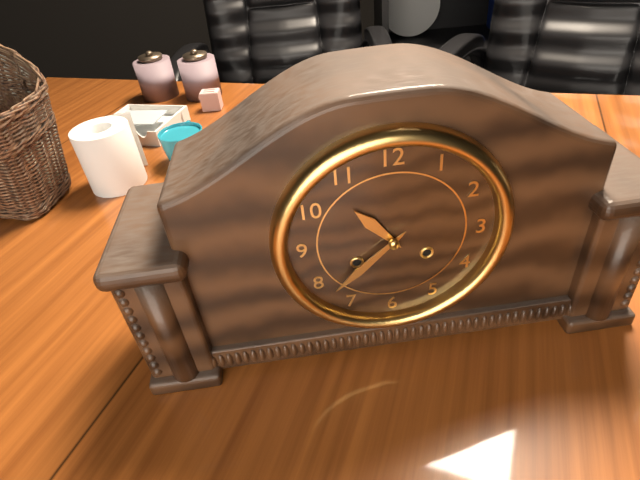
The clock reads 10:38
